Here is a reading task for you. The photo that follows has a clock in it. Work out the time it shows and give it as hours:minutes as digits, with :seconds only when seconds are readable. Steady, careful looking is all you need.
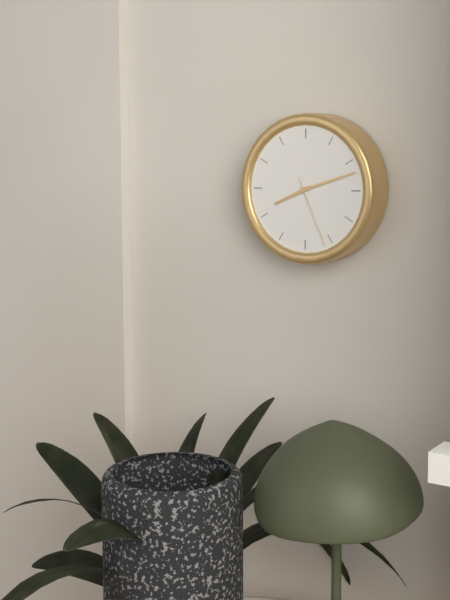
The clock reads 8:12:26
